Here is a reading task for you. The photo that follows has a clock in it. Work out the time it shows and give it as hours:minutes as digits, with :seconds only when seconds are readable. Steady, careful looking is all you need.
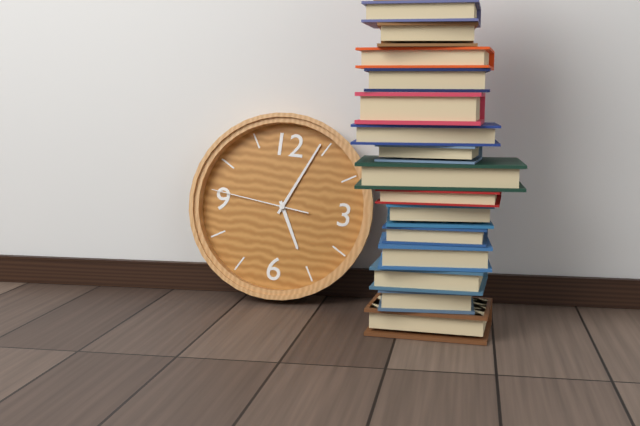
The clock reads 5:04:46
